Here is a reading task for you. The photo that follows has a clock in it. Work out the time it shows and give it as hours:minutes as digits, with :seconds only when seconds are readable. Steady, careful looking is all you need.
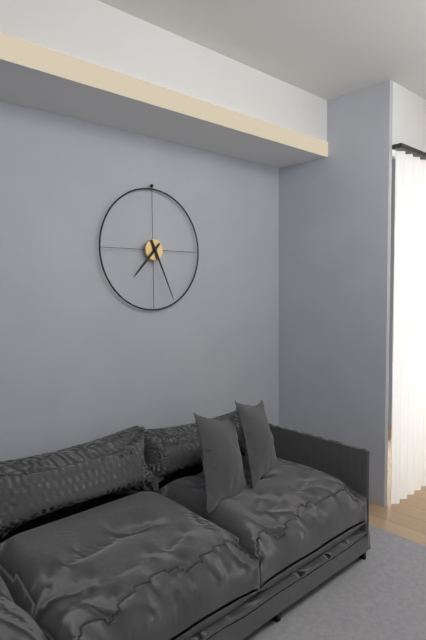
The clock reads 7:26
